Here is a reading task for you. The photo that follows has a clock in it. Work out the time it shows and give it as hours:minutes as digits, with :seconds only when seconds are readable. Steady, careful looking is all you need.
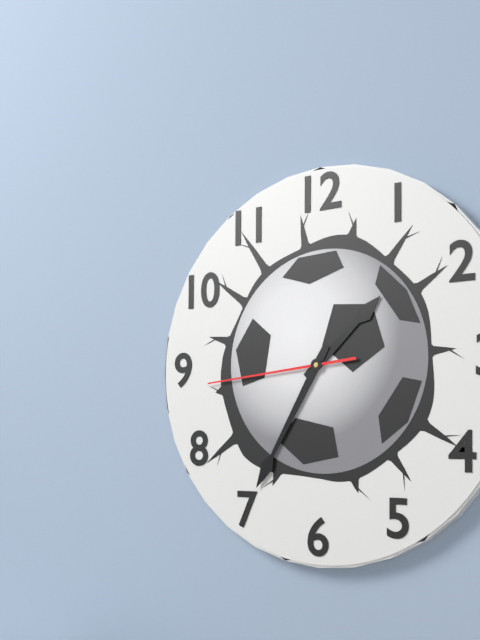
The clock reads 1:35:44
